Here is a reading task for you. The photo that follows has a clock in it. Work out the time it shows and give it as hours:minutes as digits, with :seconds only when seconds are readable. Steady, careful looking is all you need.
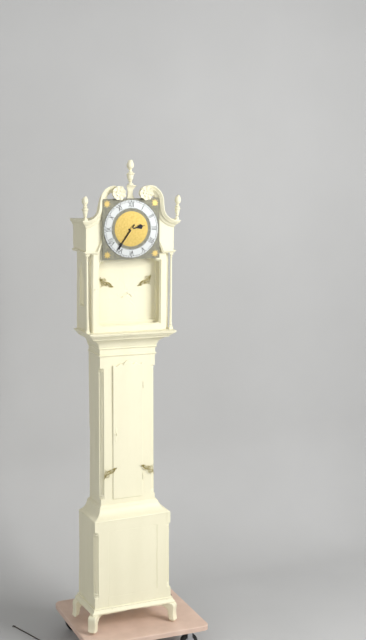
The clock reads 2:36
